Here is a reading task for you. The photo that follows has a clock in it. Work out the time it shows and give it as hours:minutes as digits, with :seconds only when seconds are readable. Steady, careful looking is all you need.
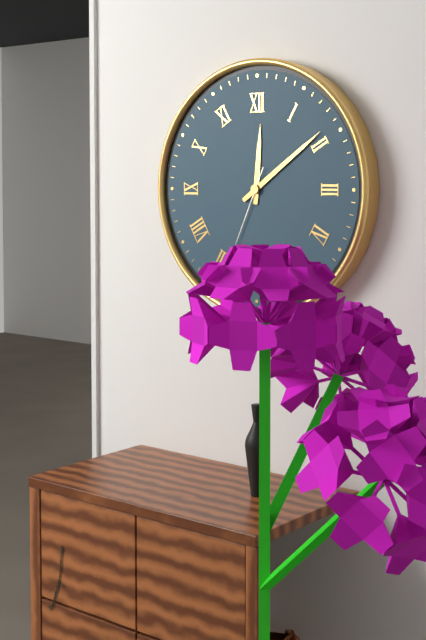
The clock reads 12:09:34
